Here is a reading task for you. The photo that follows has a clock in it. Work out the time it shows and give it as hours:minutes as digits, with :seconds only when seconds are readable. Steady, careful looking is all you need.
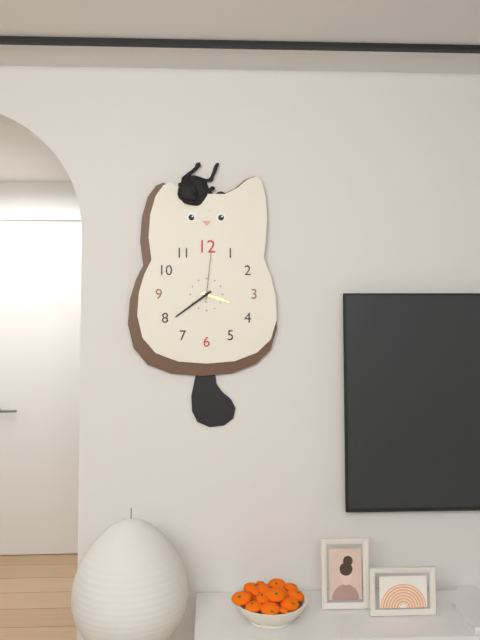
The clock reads 3:39:01
